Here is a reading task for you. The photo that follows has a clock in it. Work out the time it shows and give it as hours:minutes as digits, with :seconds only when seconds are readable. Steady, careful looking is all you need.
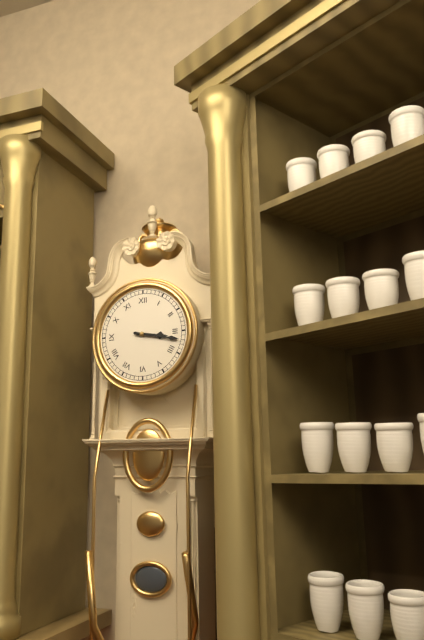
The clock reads 3:17
